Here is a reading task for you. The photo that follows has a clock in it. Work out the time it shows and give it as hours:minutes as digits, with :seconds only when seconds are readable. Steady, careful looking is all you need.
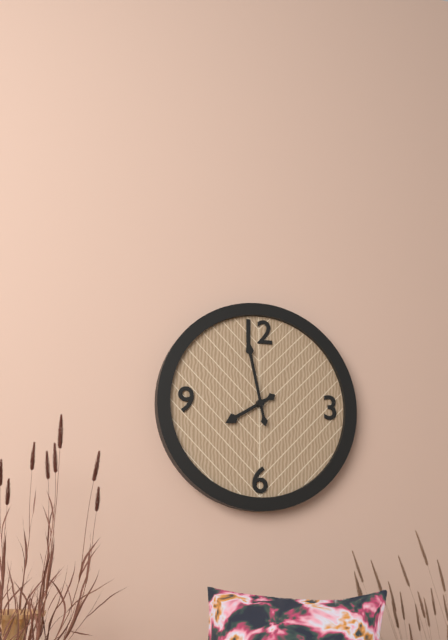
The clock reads 7:58
